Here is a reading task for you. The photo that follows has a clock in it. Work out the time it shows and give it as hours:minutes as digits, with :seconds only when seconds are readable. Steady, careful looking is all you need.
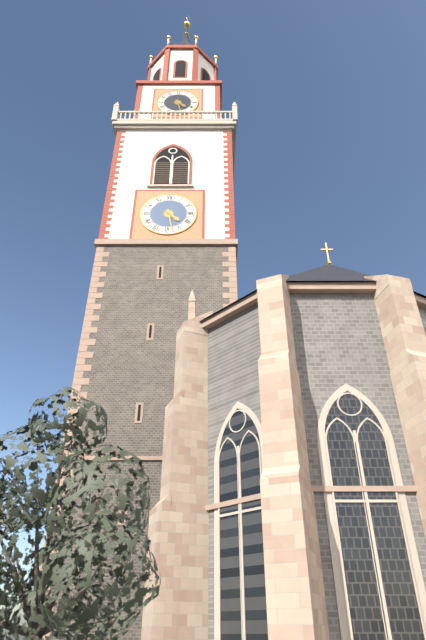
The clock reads 4:28
